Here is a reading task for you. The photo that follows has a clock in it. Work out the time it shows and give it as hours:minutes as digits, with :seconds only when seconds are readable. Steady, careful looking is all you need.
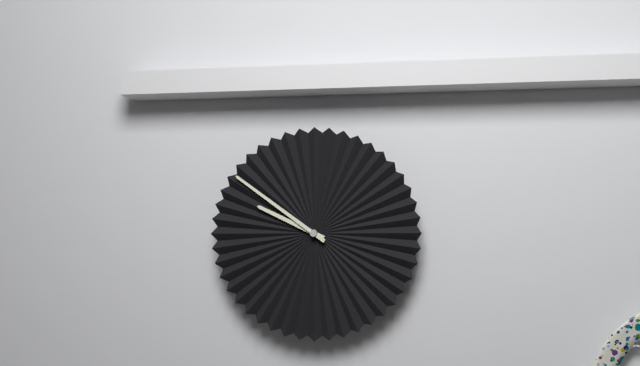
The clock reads 9:51
